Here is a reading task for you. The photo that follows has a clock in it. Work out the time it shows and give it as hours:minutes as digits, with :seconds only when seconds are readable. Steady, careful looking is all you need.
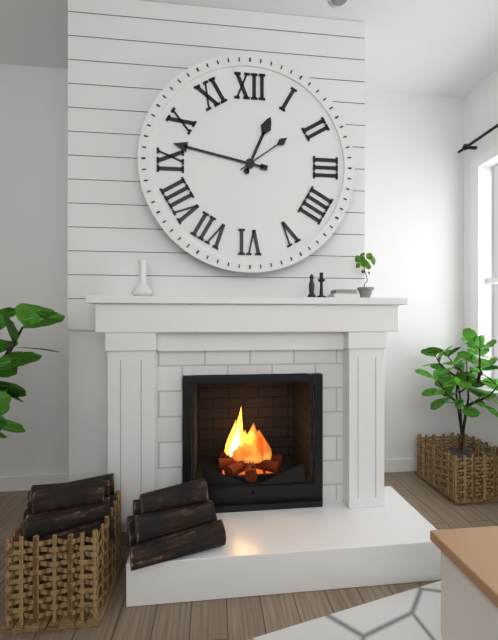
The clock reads 12:47:09
